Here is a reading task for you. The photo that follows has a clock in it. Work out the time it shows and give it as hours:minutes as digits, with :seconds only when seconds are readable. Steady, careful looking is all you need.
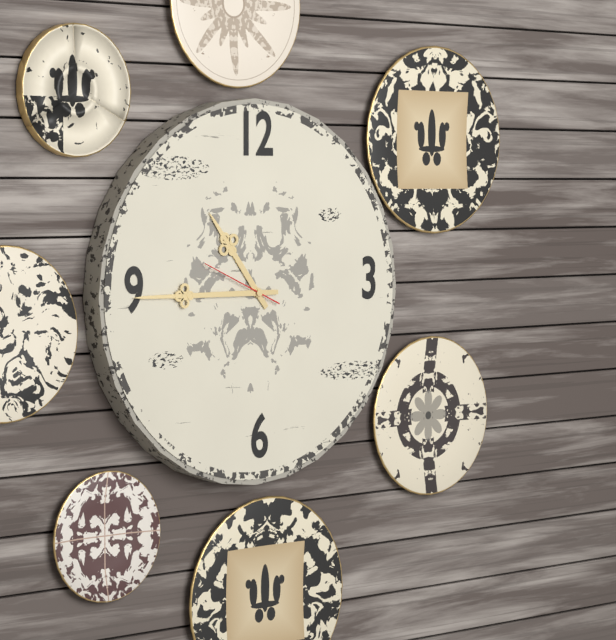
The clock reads 10:45:49
